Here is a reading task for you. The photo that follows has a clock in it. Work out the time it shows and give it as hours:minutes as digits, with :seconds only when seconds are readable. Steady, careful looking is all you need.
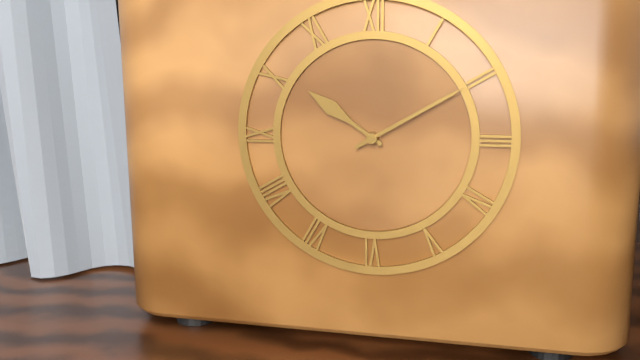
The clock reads 10:10
